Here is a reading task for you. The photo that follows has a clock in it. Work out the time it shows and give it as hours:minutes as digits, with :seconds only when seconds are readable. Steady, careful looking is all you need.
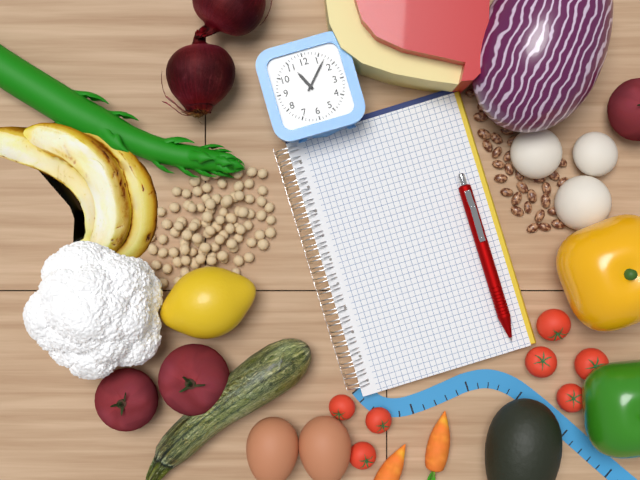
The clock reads 11:07
